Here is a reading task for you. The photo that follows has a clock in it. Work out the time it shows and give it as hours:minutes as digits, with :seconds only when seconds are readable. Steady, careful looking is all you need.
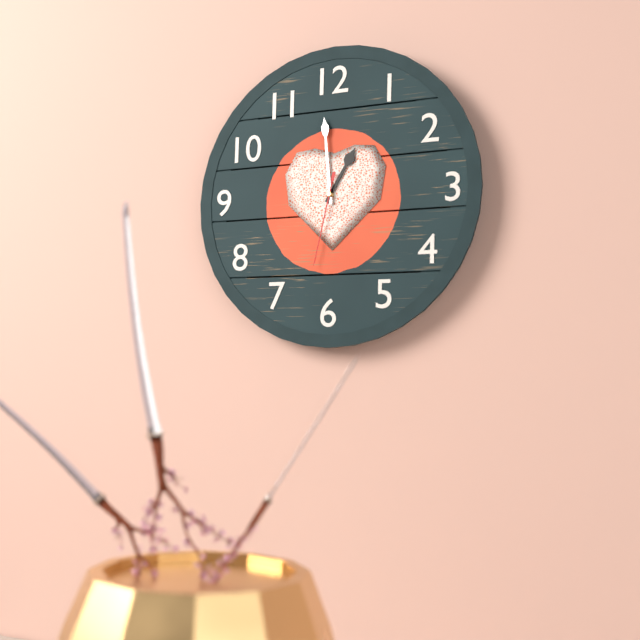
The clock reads 12:59:32
